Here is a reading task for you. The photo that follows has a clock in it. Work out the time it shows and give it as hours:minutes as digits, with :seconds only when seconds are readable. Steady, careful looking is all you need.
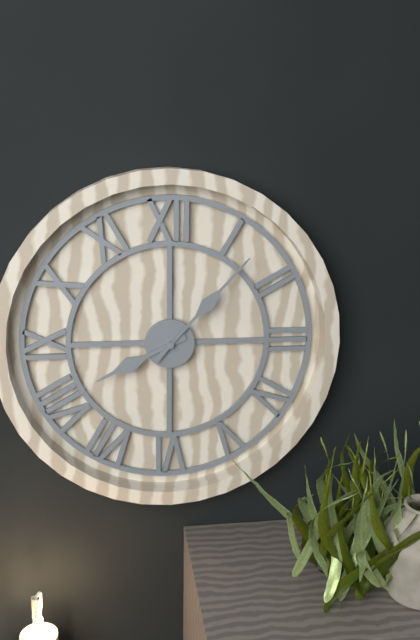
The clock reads 8:07
